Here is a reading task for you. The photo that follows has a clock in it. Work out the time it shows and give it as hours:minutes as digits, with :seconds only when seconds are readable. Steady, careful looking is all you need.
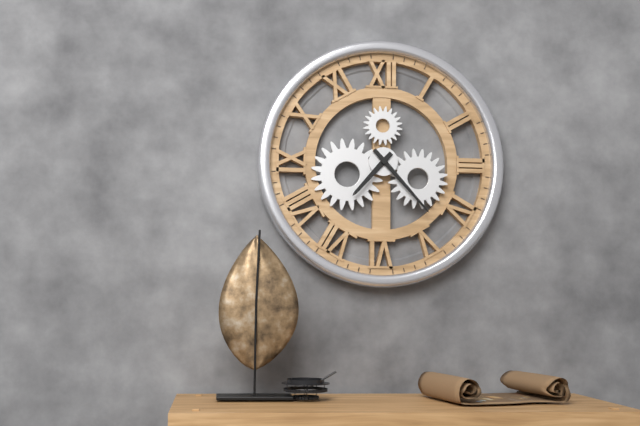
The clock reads 7:23
